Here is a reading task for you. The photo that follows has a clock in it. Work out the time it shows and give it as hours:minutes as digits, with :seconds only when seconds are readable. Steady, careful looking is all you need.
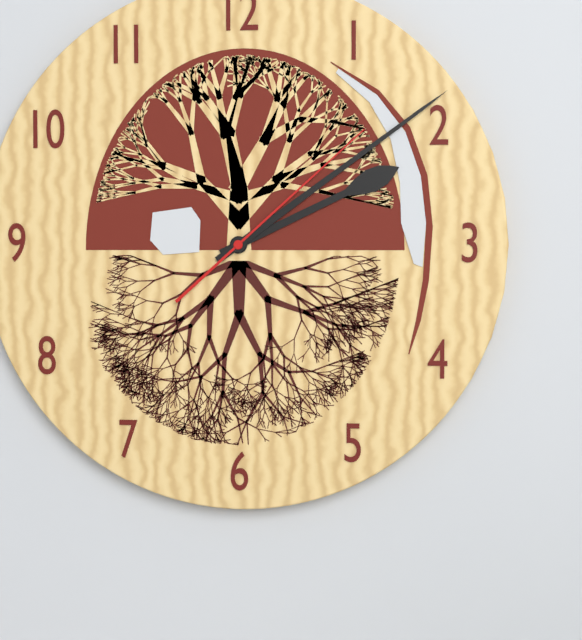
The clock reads 2:09:08
